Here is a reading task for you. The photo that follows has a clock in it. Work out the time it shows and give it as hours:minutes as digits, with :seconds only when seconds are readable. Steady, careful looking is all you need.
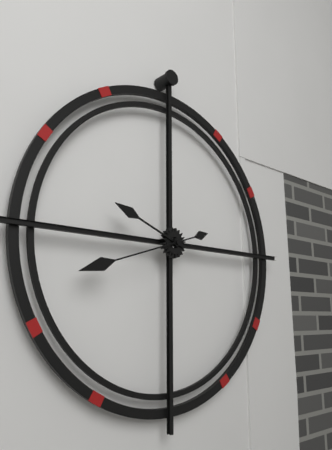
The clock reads 9:42
